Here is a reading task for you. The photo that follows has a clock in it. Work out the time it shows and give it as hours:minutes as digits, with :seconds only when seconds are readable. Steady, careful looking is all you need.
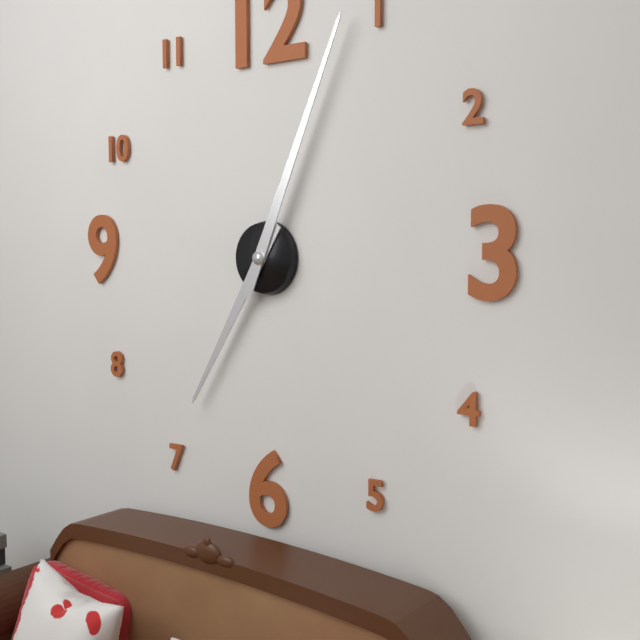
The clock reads 7:04
